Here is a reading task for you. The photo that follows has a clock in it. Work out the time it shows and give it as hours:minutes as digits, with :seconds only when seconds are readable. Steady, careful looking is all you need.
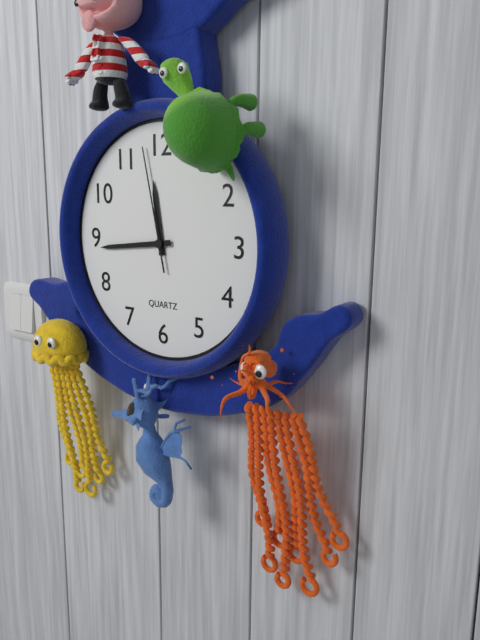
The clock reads 11:44:58
